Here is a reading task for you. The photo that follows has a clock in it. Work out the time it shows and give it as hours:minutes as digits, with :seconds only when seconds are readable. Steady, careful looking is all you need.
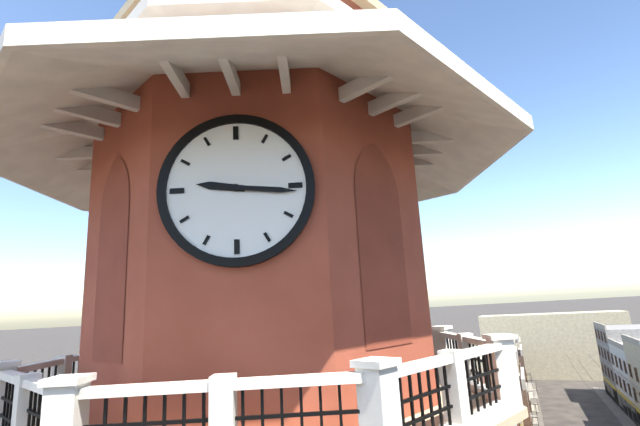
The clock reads 9:16
